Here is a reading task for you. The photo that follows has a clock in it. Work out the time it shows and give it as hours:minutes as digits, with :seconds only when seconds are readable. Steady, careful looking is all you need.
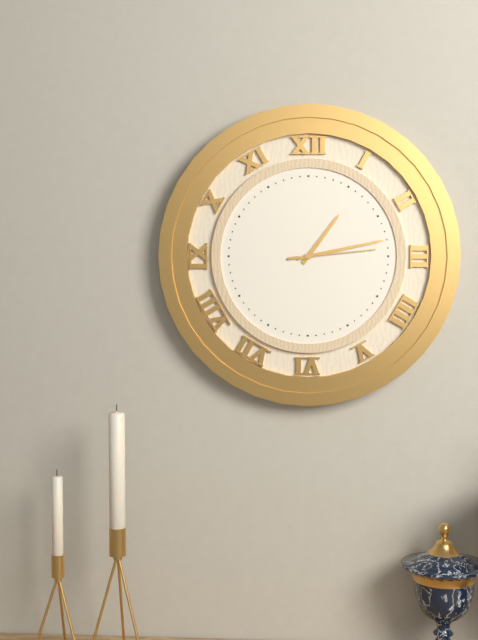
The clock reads 1:13:14
